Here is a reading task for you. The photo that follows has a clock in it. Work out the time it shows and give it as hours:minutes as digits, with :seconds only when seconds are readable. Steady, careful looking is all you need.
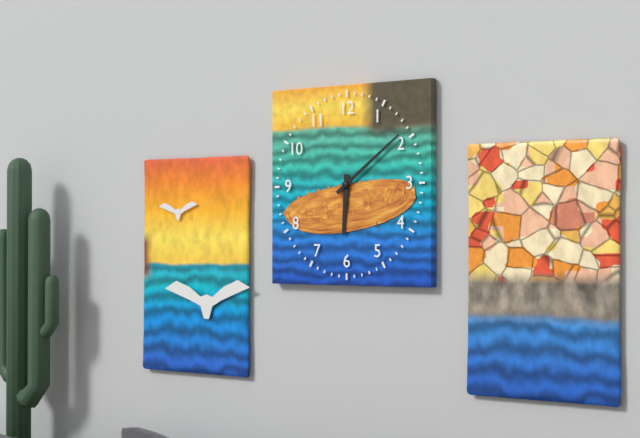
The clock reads 6:09
